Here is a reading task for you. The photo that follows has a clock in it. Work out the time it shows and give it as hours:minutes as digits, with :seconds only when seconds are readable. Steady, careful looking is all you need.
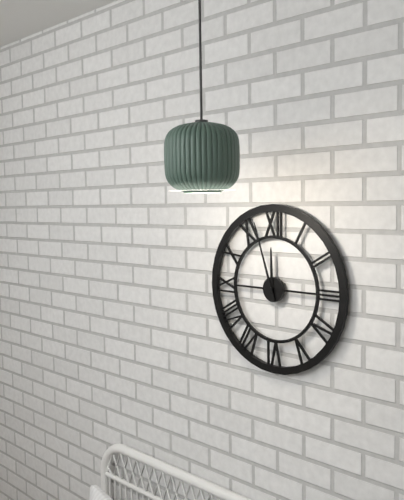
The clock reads 11:57
